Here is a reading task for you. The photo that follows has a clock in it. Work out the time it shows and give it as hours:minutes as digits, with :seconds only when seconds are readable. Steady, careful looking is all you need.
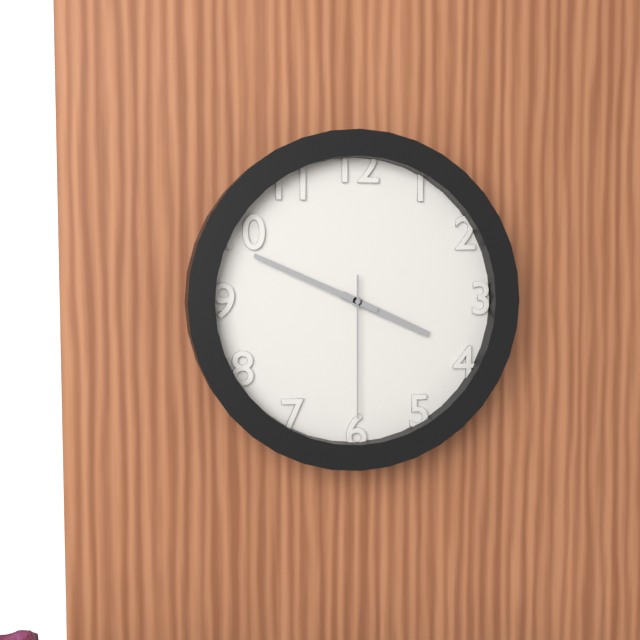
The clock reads 3:49:30
